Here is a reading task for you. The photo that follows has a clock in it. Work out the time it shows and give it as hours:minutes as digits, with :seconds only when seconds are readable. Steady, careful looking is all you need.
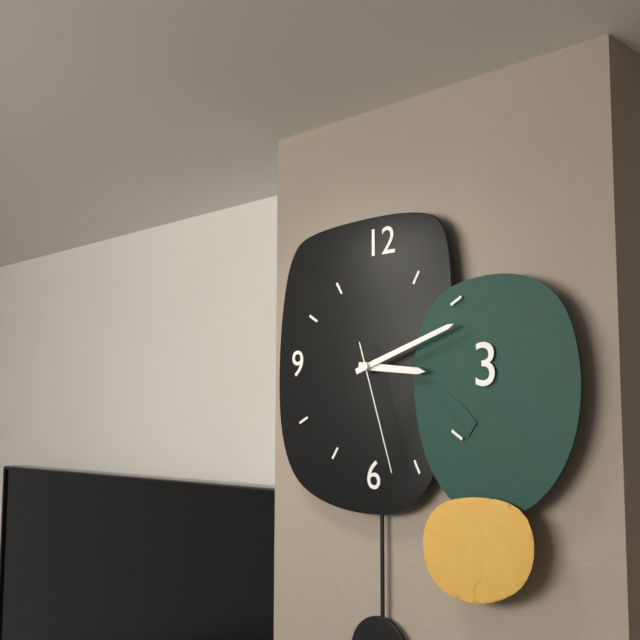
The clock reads 3:12:27
